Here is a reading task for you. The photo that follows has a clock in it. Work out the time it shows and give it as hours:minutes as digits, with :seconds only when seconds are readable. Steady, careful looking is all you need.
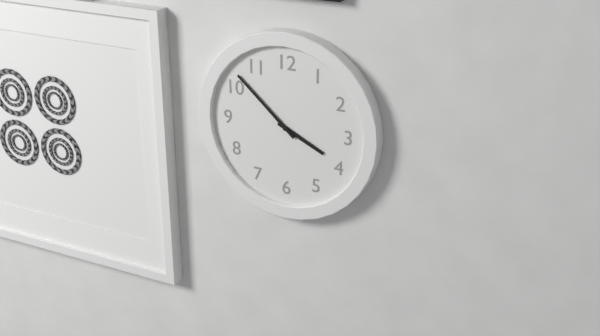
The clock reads 3:52
